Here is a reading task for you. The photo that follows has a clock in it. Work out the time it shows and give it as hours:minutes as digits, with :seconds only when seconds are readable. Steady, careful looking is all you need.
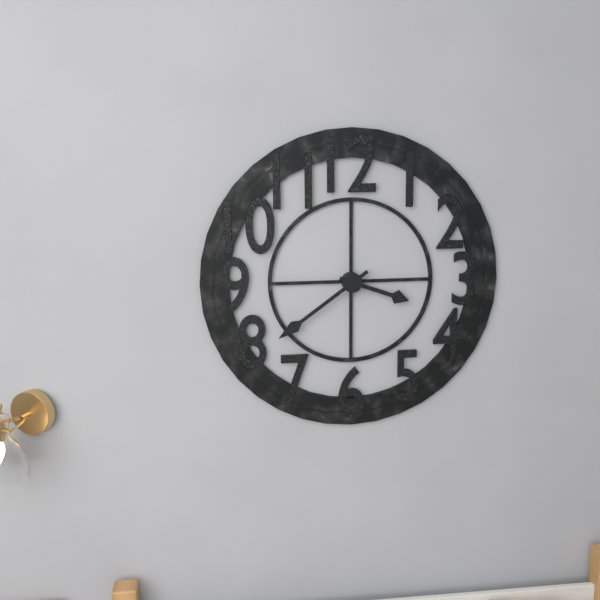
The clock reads 3:39
